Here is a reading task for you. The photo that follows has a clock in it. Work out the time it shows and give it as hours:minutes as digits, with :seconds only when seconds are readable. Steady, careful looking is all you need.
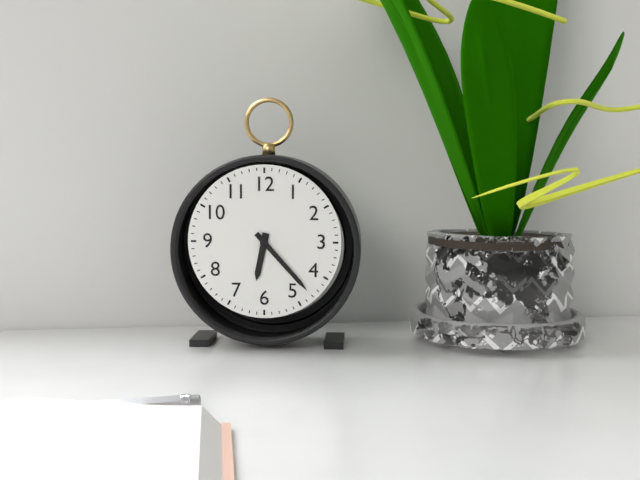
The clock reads 6:23
